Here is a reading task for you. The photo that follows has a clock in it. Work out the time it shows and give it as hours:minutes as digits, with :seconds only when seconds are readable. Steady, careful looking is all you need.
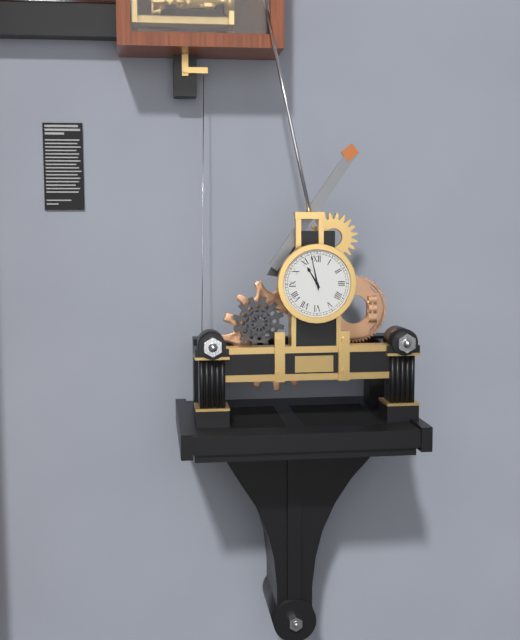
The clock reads 10:58
